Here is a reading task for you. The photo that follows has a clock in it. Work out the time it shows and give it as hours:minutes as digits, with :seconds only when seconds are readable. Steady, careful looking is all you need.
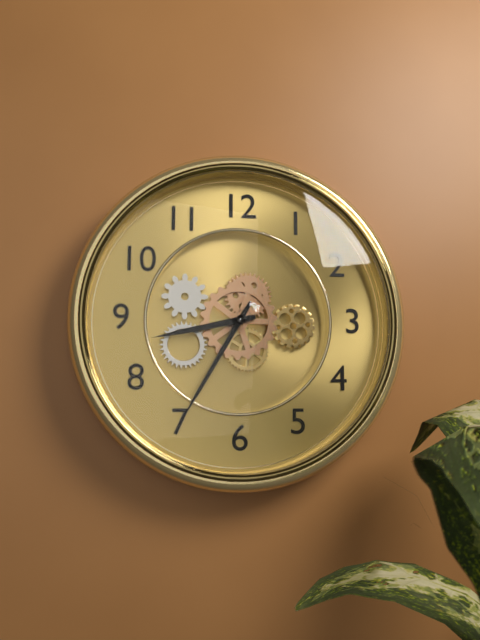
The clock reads 8:35
